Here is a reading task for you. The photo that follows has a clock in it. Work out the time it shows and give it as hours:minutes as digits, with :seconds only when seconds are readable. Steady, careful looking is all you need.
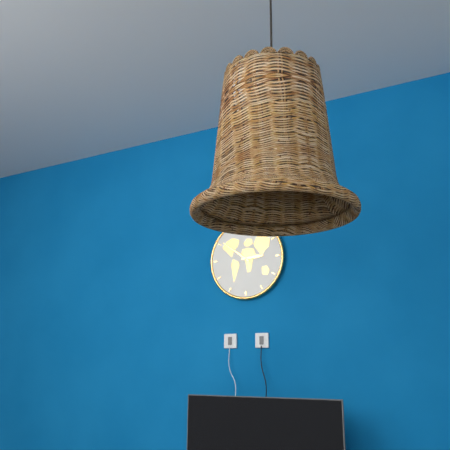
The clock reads 2:51
